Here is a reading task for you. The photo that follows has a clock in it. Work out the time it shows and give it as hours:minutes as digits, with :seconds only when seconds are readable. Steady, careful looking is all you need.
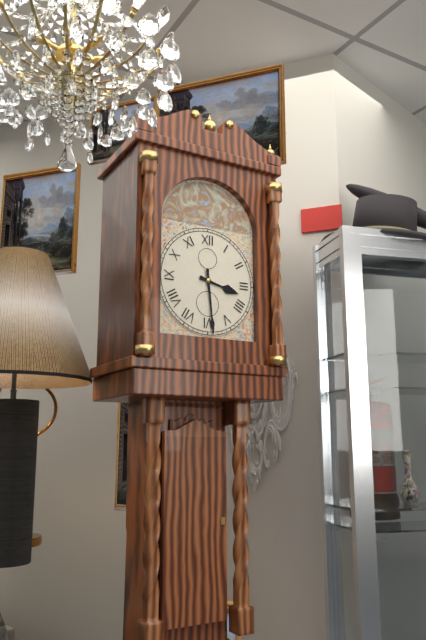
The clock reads 3:29
